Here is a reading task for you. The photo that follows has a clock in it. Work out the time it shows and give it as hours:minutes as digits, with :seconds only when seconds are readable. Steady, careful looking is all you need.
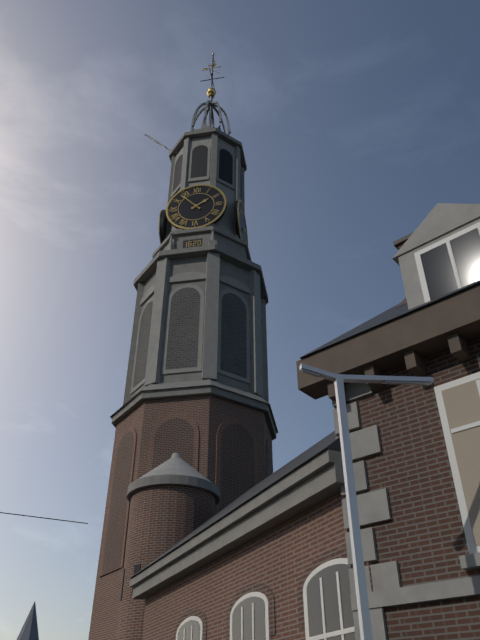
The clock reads 1:53
